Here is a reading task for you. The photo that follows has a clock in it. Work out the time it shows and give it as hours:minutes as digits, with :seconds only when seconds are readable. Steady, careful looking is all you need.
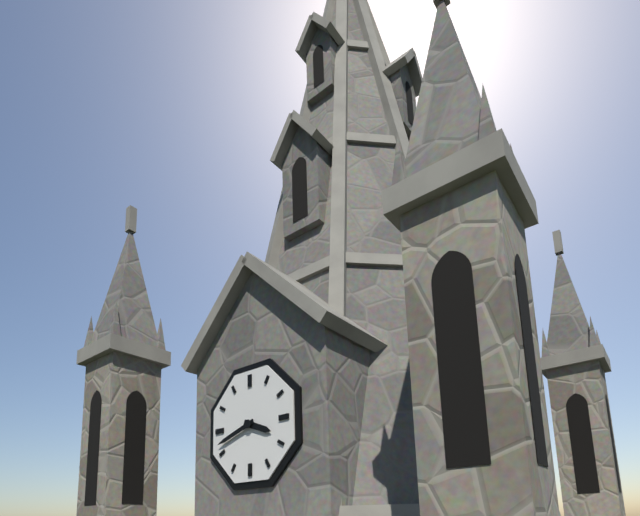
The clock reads 3:42
